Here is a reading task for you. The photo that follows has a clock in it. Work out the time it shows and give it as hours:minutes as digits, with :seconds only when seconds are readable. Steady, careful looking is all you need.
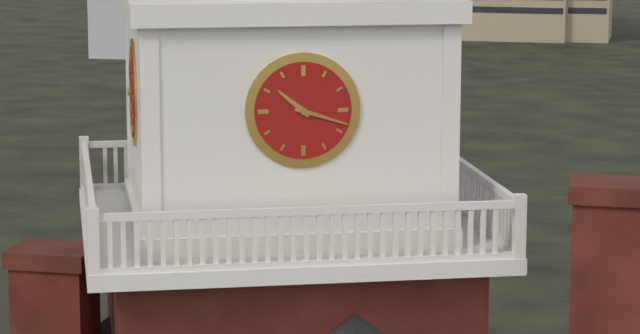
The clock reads 10:18
